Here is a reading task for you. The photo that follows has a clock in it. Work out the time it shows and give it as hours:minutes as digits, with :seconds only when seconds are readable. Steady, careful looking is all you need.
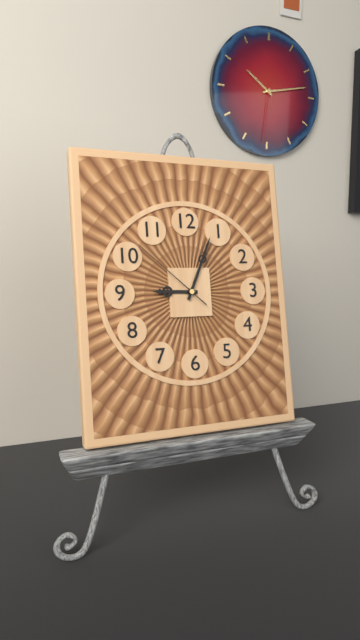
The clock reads 9:04:52
